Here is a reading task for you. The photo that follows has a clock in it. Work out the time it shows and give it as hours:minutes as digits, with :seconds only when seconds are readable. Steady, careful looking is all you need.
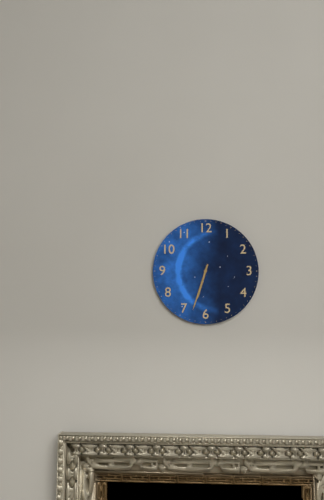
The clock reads 6:33
